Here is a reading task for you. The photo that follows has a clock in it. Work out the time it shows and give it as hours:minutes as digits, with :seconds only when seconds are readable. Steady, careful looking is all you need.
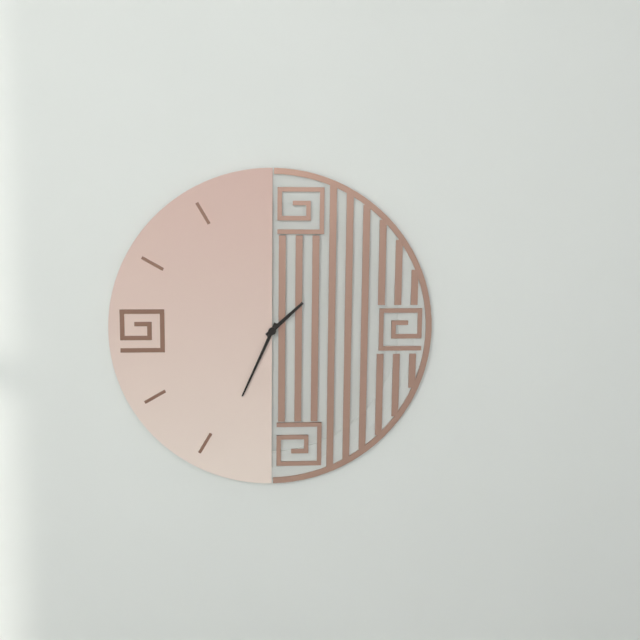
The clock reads 1:34
